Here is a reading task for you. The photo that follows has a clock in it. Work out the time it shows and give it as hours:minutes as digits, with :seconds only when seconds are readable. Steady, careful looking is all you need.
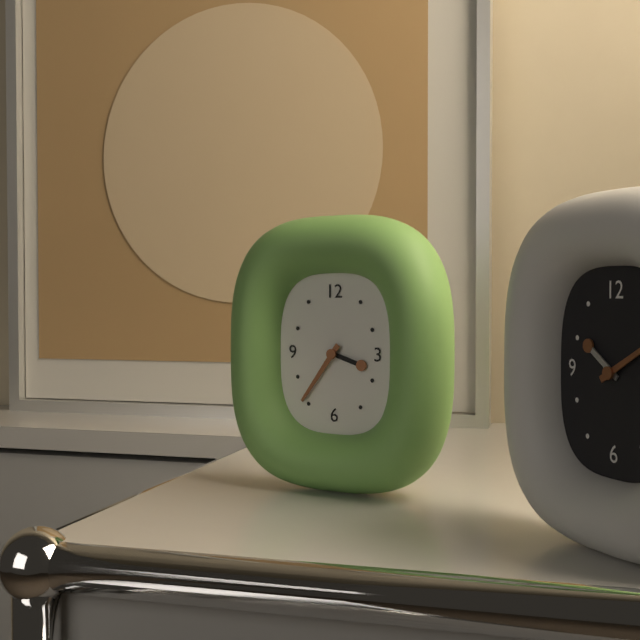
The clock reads 3:36
